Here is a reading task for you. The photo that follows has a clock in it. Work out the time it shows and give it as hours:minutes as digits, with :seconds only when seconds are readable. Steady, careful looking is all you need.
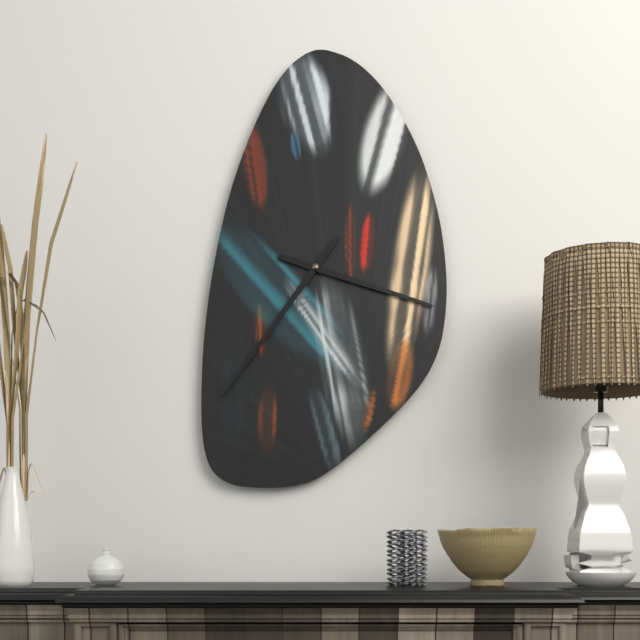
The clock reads 3:36
